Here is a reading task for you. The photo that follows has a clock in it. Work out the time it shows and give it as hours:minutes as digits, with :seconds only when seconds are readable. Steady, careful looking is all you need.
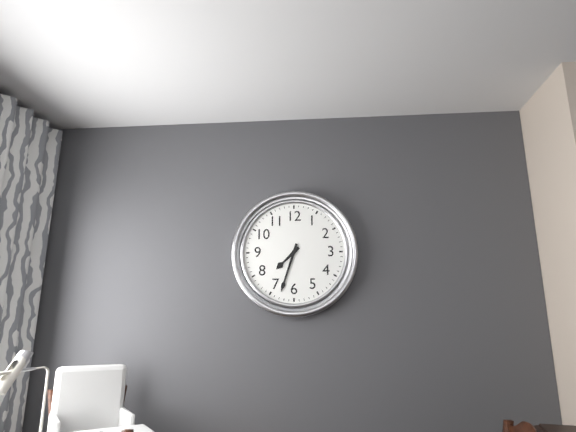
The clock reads 7:33
